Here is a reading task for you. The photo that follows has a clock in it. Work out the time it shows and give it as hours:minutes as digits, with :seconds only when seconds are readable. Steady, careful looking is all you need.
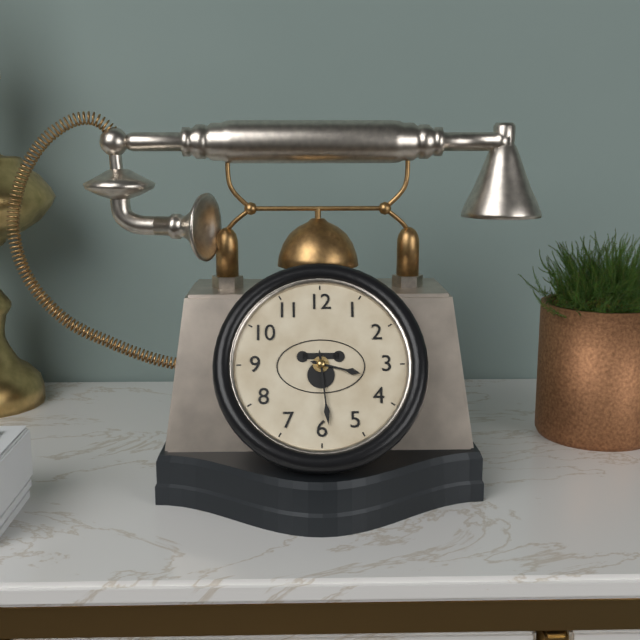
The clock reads 3:29
